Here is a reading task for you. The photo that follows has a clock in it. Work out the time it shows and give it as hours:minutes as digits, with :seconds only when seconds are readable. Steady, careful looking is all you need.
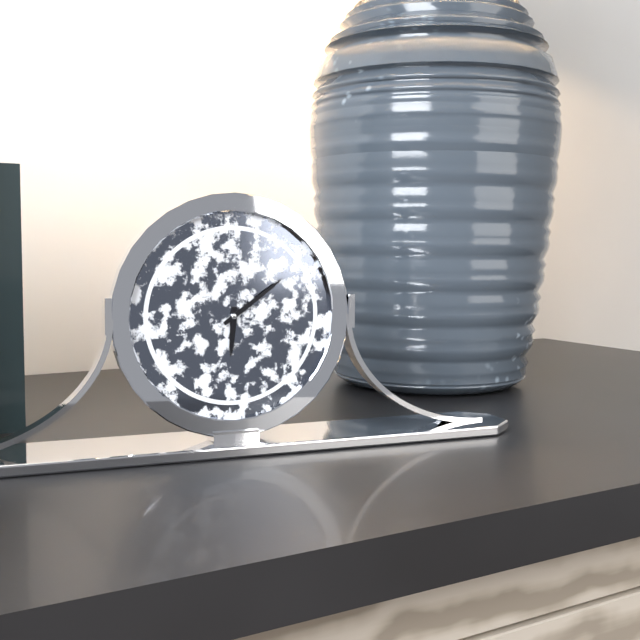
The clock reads 6:09
